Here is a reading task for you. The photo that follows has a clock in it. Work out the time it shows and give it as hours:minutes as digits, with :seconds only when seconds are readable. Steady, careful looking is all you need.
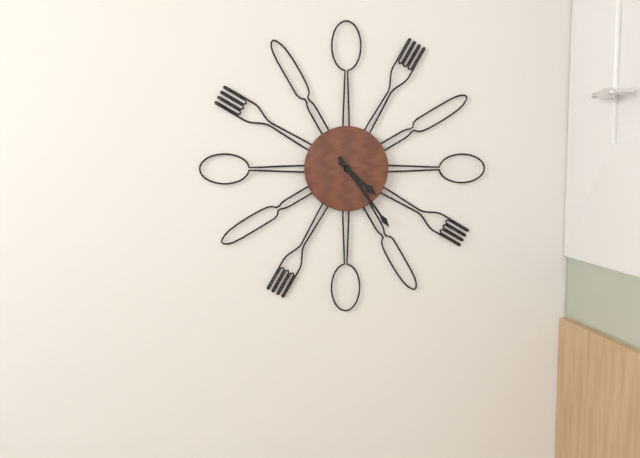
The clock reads 4:24
